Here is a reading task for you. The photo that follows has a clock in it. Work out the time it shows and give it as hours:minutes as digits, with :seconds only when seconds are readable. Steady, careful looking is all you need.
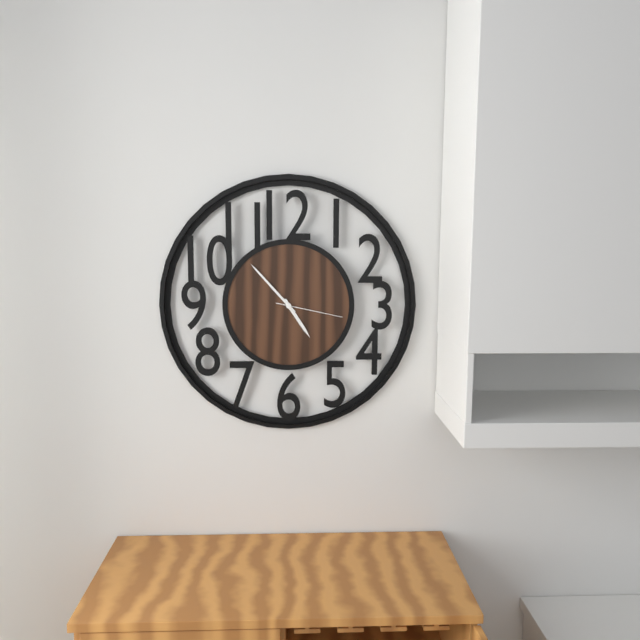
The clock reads 4:53:17
